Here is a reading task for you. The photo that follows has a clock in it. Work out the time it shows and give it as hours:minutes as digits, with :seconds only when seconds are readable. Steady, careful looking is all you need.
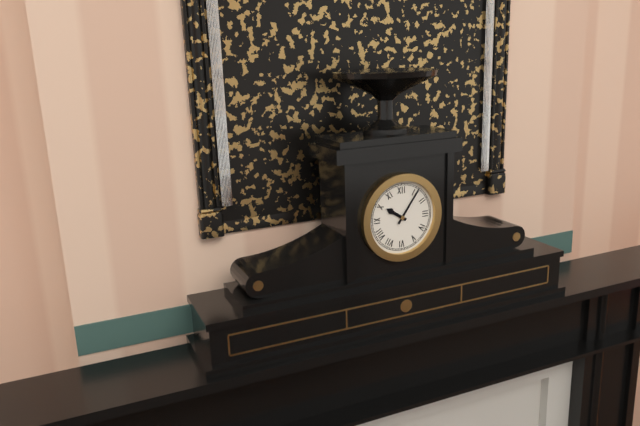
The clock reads 10:06
